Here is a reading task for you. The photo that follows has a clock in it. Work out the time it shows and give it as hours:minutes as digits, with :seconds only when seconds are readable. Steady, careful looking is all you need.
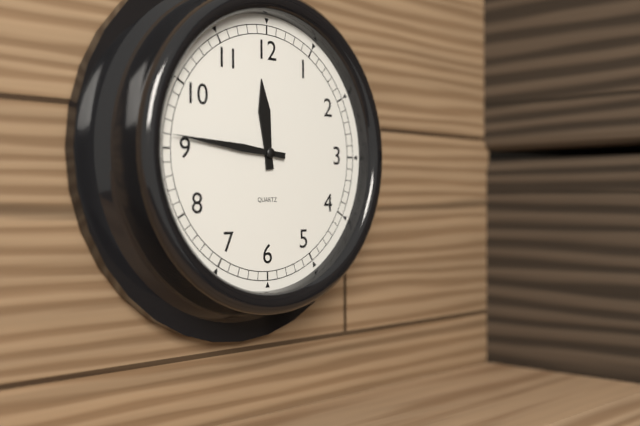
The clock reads 11:46
